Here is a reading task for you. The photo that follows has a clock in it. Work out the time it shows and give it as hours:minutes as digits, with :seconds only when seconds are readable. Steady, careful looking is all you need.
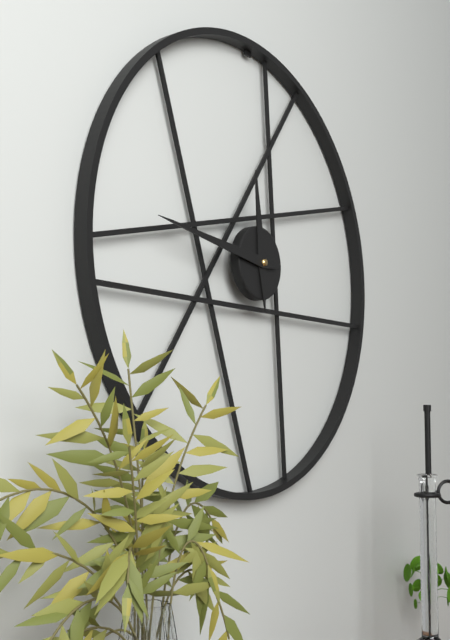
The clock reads 11:46
